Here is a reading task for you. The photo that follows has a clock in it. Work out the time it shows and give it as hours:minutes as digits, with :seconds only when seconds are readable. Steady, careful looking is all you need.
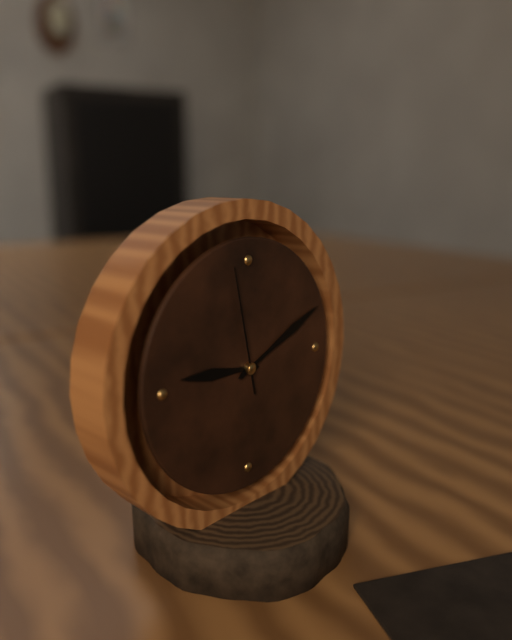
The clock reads 9:11:58
